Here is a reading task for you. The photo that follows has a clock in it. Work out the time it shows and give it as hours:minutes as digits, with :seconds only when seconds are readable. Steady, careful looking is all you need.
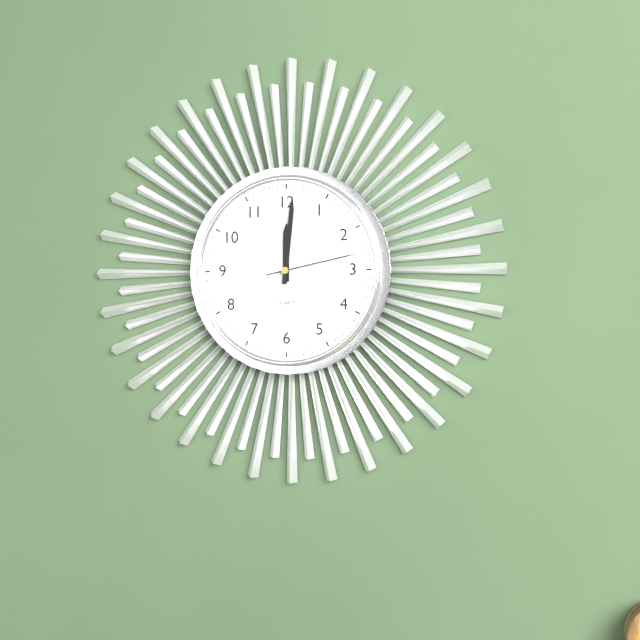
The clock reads 12:01:13
